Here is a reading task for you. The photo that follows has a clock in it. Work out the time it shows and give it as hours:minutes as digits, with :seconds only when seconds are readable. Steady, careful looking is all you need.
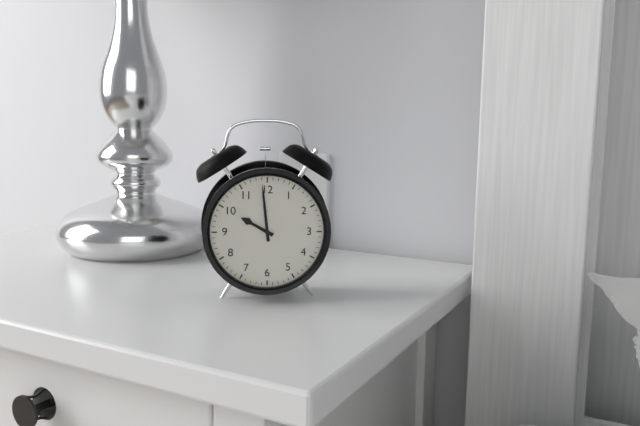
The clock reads 9:59
